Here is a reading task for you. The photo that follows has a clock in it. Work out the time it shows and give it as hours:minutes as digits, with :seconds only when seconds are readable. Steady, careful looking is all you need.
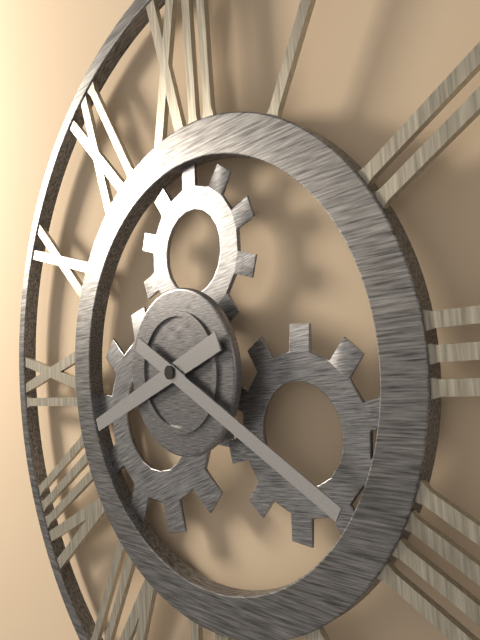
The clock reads 8:20
